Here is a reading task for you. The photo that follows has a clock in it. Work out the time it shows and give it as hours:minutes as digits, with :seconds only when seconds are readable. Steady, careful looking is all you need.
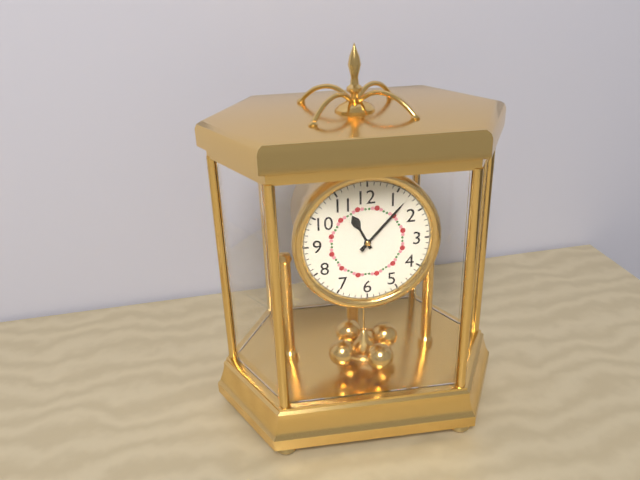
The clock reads 11:07
